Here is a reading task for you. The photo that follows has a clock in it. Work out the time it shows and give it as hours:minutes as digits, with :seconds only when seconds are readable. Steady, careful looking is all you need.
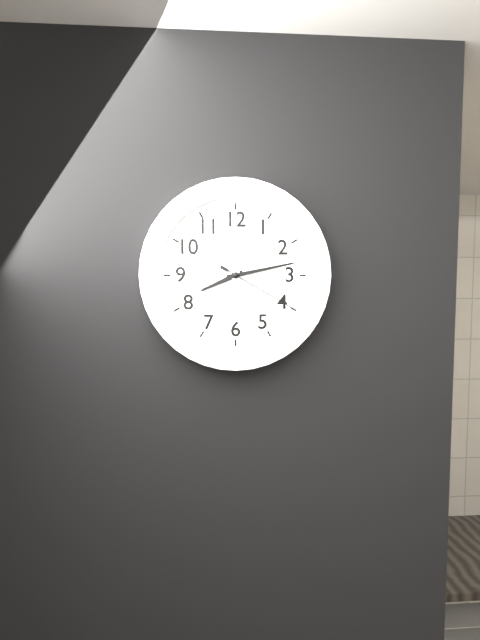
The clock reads 8:13:20
